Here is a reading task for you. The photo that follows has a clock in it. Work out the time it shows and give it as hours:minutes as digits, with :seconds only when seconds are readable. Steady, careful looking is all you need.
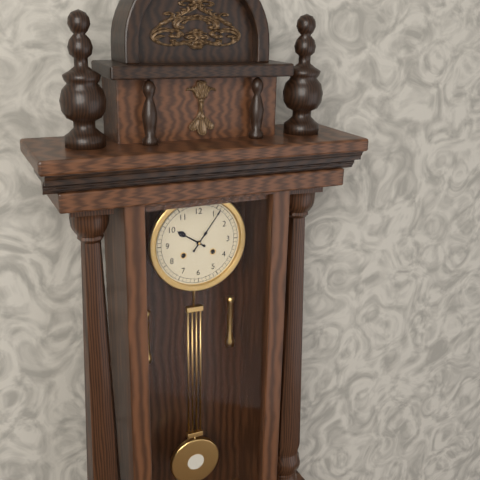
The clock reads 10:06
